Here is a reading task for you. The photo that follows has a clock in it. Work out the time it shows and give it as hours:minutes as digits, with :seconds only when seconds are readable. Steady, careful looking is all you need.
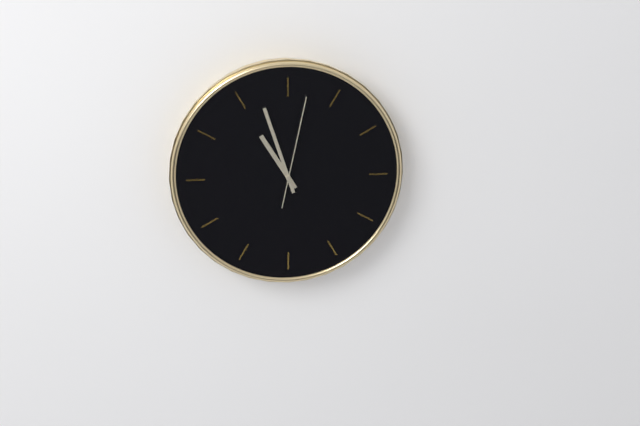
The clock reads 10:57:02
